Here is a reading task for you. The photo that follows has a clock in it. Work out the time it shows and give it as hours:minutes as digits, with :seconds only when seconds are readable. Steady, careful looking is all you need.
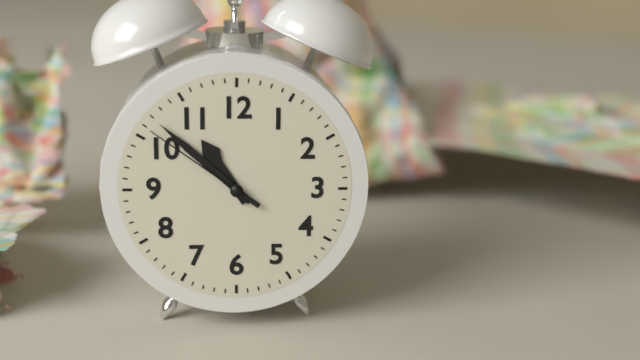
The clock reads 10:52:51
